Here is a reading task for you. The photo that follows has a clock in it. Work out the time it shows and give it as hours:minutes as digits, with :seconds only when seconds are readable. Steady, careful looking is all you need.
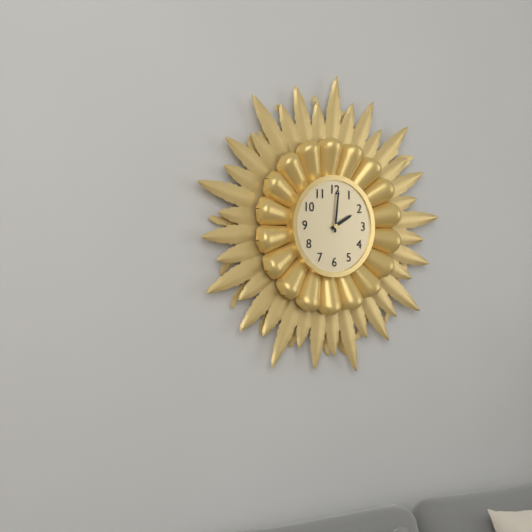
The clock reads 2:01
